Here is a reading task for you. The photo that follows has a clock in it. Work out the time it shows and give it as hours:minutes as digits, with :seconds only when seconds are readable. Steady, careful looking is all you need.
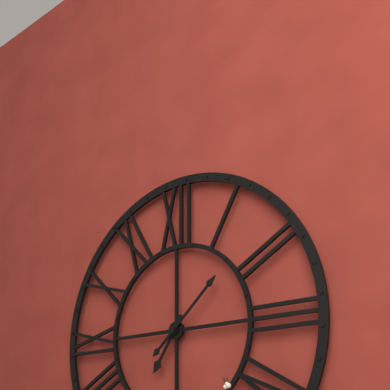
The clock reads 7:08
